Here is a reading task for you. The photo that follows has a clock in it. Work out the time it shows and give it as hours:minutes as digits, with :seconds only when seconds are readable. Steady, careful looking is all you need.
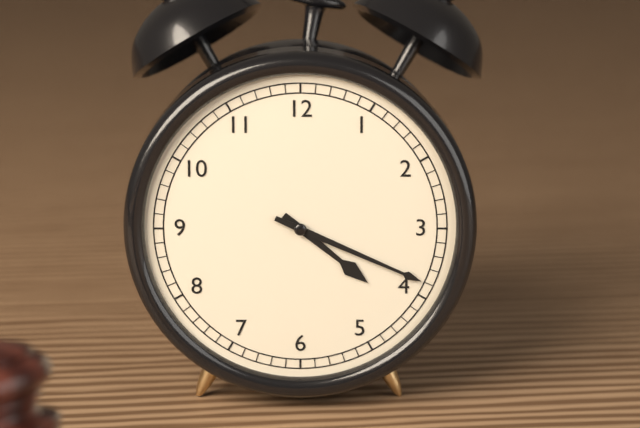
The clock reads 4:19
